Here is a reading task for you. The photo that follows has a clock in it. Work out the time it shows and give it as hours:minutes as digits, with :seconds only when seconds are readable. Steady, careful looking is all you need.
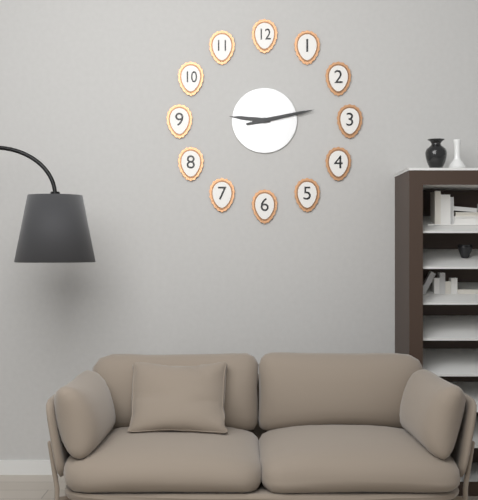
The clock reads 9:13
